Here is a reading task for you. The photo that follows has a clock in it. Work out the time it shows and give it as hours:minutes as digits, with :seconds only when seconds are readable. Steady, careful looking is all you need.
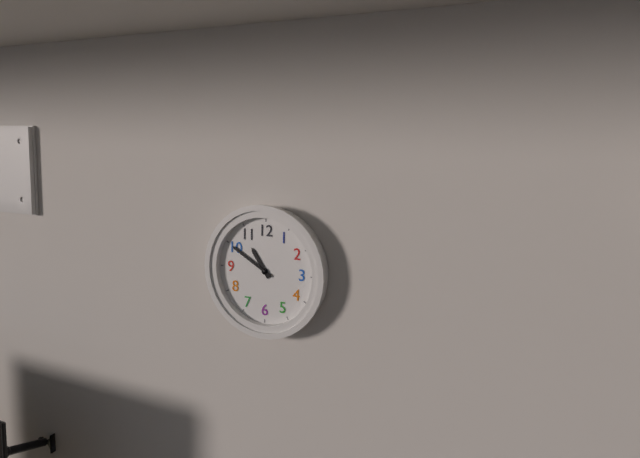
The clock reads 10:50
